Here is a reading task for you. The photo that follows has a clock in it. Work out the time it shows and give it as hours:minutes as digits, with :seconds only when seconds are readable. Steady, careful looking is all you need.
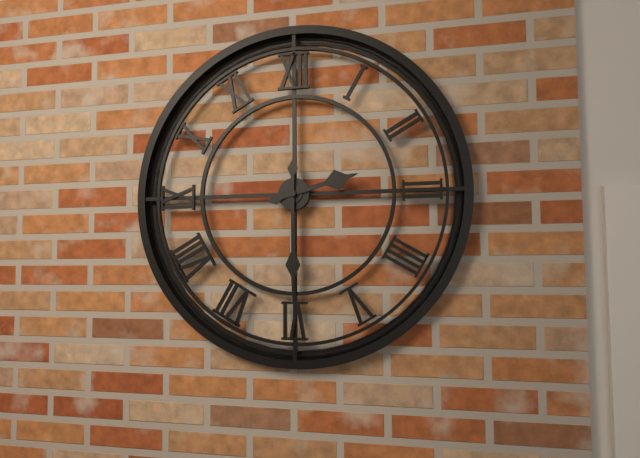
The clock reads 2:30
